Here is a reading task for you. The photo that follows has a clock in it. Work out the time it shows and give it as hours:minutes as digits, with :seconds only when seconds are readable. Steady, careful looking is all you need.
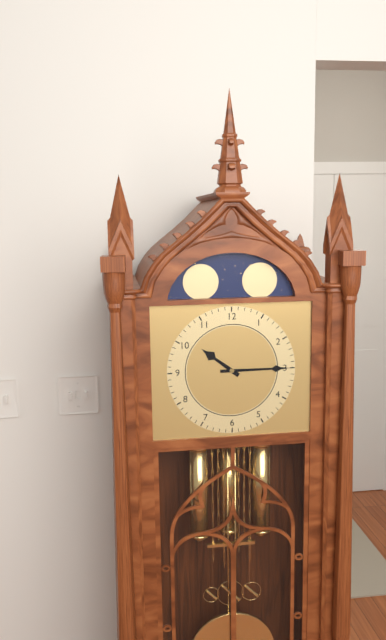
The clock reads 10:15
